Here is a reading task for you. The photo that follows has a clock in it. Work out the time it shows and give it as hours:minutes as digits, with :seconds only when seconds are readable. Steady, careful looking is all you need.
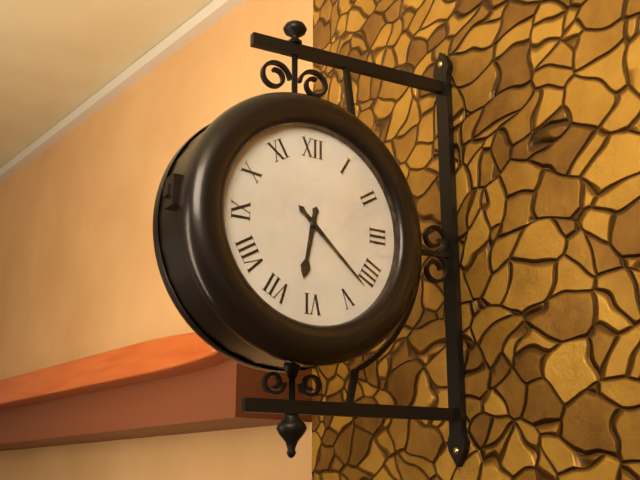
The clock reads 6:22
